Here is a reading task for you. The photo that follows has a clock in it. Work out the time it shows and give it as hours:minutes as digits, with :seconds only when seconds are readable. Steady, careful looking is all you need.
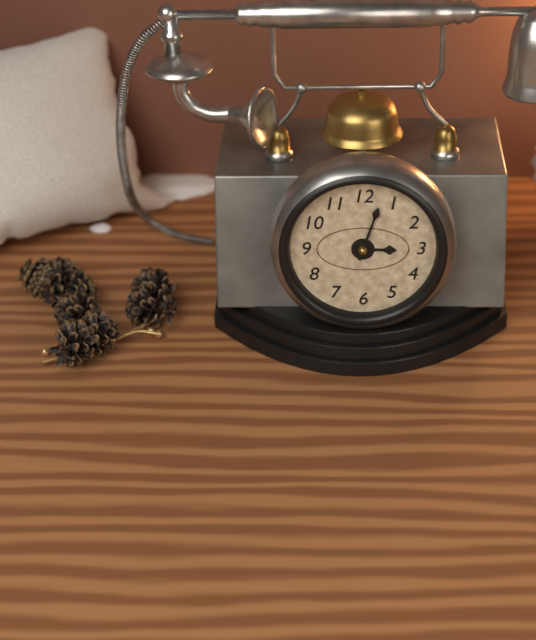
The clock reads 3:03
